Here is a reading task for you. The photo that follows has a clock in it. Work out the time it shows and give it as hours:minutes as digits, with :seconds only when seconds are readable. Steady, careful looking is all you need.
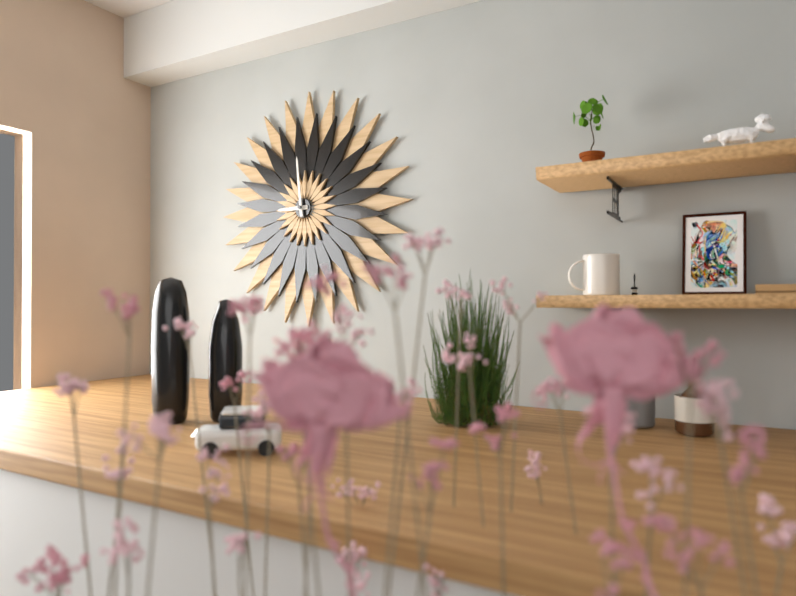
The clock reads 8:59
